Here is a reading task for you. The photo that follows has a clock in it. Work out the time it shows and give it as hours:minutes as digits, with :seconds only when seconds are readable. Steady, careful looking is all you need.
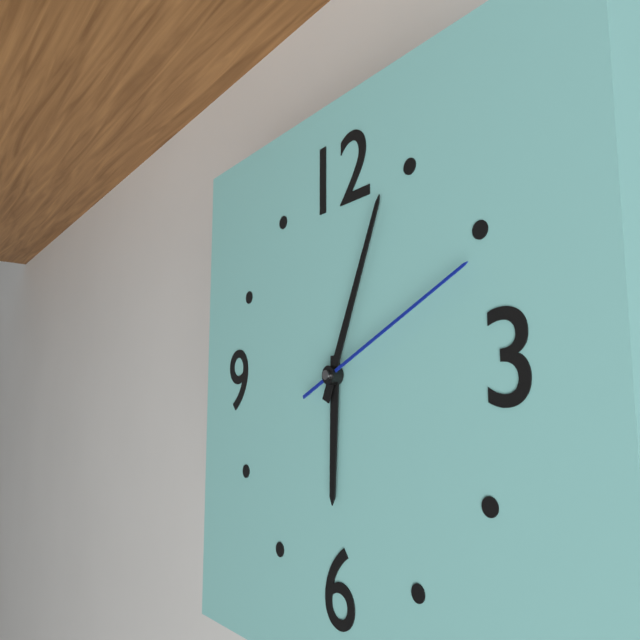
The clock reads 6:04:11
